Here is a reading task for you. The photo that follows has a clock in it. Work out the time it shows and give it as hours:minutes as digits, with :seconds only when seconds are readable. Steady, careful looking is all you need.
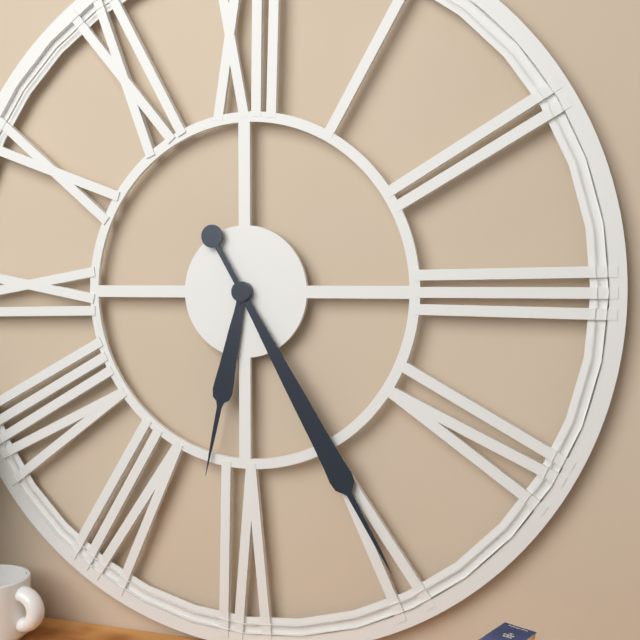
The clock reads 6:25
